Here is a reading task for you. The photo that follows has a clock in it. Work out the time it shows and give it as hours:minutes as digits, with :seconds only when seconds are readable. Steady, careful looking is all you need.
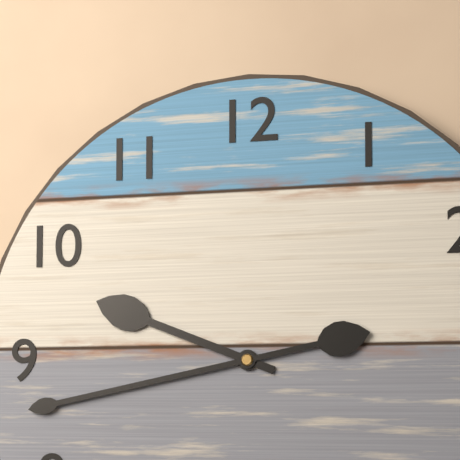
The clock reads 9:43
